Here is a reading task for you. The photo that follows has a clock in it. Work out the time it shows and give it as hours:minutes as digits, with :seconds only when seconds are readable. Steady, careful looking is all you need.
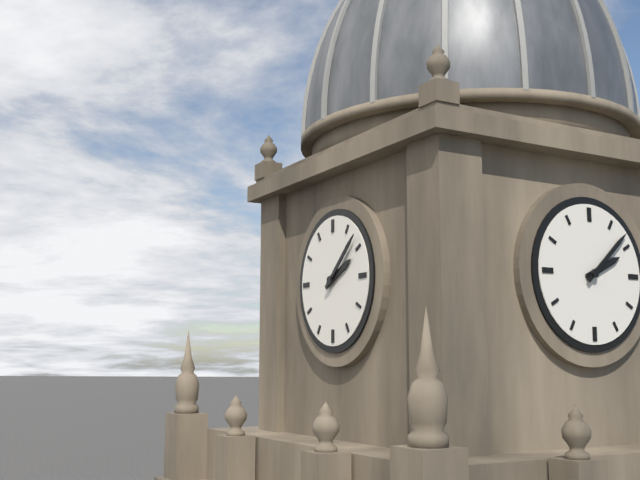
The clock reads 2:08
